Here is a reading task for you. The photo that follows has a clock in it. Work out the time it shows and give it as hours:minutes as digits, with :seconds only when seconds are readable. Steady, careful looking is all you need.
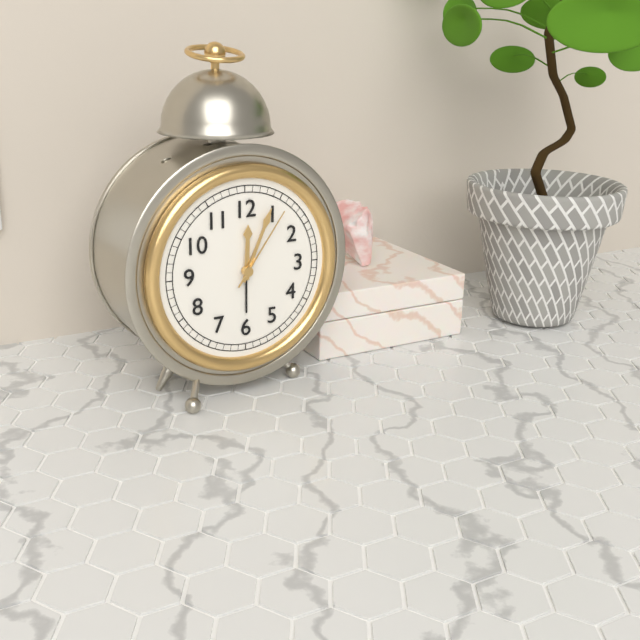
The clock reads 12:04:06
